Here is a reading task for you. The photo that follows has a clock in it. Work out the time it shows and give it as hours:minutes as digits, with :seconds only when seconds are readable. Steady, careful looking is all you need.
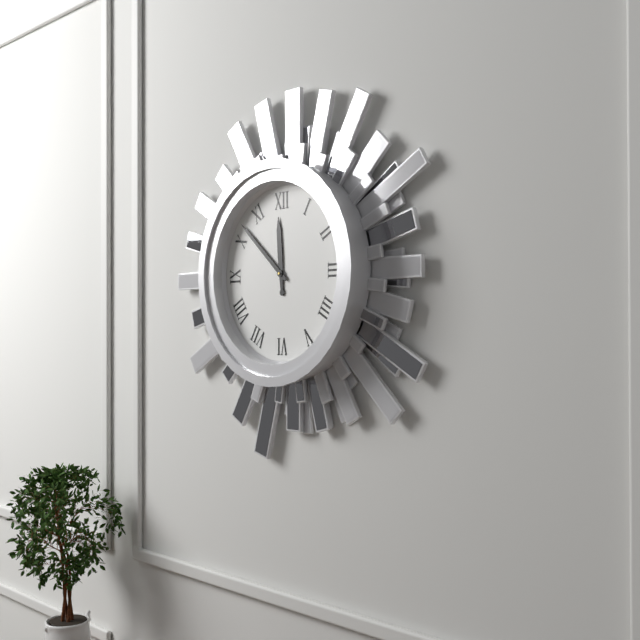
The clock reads 11:52
